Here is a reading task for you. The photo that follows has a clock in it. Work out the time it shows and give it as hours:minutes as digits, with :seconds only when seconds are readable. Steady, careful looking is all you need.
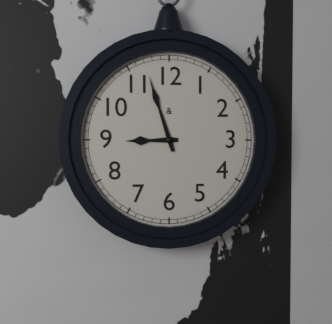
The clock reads 8:57
